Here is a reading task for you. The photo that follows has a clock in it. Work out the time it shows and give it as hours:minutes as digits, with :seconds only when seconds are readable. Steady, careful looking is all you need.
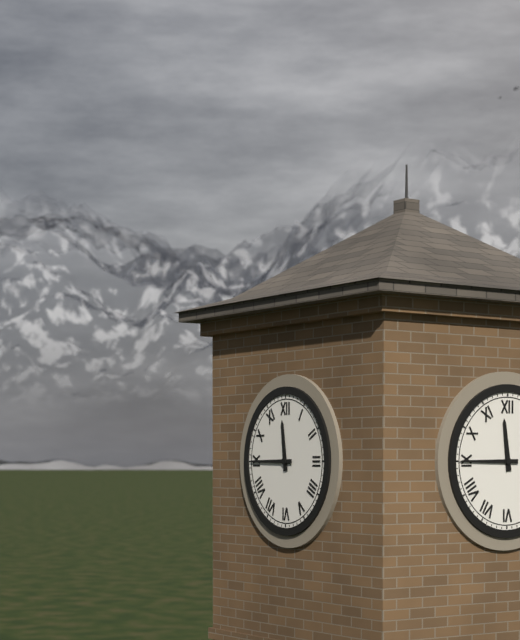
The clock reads 11:45
